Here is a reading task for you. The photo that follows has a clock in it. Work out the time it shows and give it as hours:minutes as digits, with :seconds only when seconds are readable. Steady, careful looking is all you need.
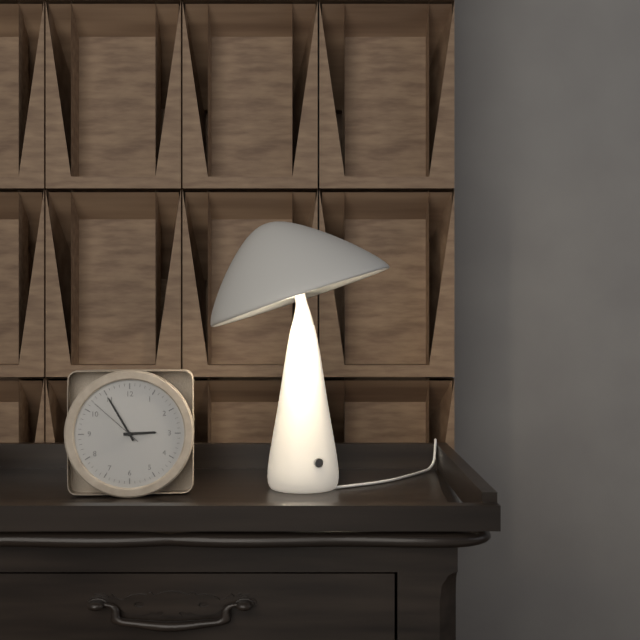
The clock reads 2:55:52
